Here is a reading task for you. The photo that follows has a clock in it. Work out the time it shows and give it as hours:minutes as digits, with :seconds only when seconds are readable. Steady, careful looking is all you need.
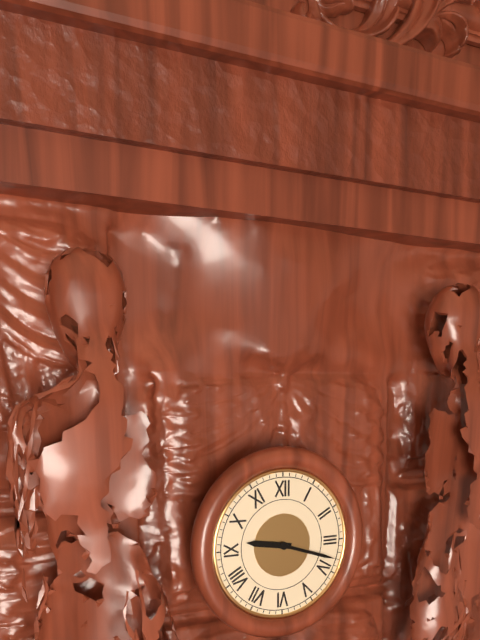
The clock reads 9:18
